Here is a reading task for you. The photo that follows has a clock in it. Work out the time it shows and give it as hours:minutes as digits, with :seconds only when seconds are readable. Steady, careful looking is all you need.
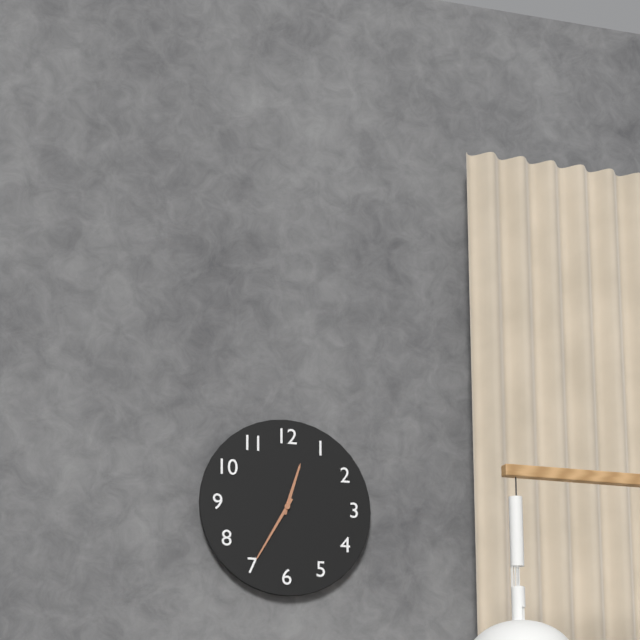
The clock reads 12:35
